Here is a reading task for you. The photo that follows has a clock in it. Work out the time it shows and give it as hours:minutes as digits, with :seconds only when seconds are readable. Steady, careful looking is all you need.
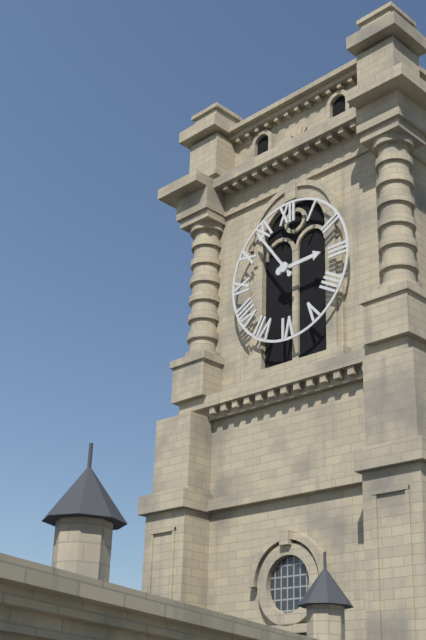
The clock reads 2:54
